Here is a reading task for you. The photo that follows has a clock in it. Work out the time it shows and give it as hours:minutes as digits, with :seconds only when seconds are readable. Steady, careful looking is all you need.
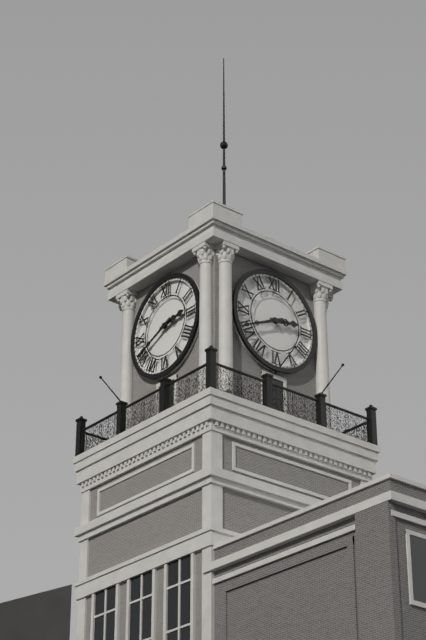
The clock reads 2:41
